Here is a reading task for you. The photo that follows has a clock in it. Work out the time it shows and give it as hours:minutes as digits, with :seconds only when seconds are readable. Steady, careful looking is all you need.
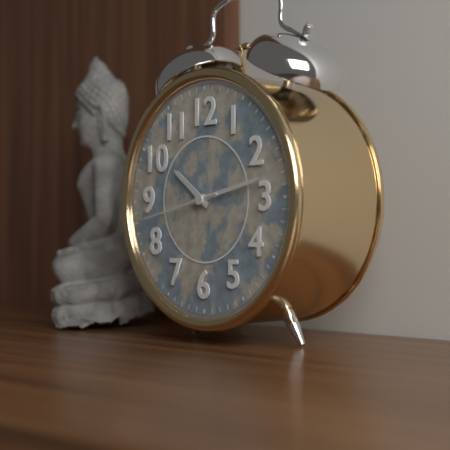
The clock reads 10:13:43
